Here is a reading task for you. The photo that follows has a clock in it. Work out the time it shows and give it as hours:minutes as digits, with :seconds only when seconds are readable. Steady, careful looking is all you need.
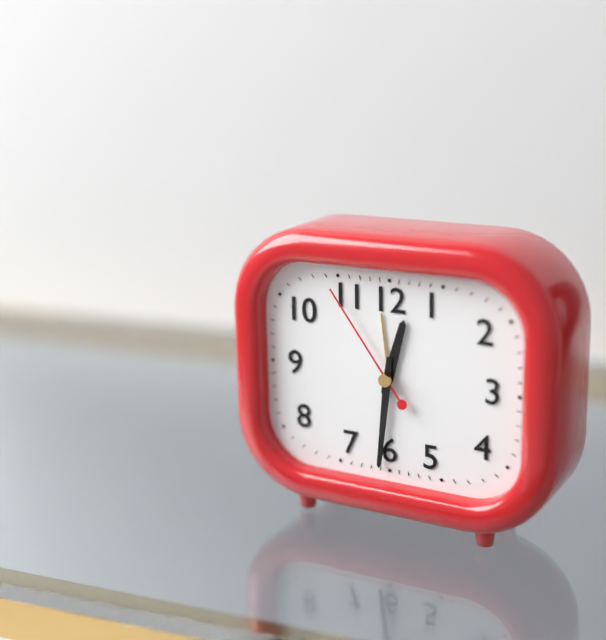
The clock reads 12:31:54
